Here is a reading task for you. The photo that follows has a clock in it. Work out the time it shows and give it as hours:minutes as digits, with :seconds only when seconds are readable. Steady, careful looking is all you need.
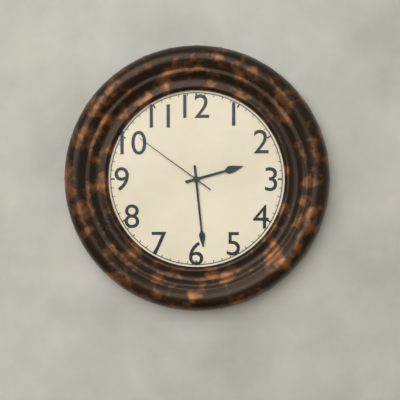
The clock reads 2:29:51
